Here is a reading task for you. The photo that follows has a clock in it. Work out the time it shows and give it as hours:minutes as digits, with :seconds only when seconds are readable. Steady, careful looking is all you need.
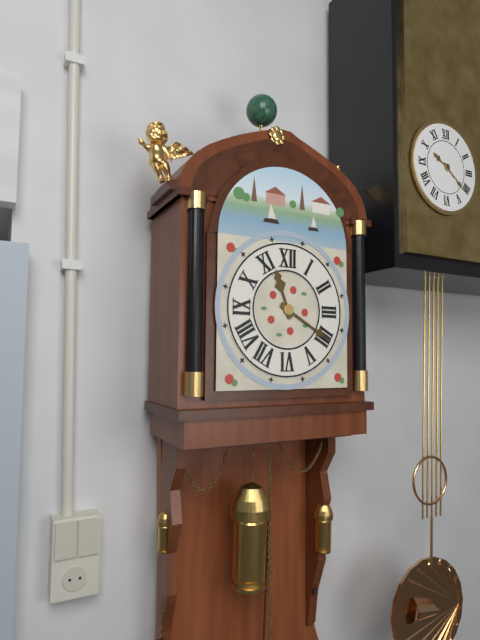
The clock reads 11:20
